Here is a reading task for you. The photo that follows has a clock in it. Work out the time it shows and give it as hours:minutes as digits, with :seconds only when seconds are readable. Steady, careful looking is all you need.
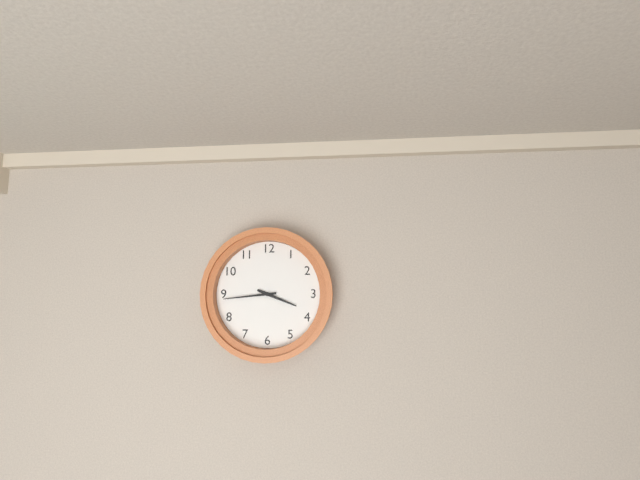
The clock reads 3:44
